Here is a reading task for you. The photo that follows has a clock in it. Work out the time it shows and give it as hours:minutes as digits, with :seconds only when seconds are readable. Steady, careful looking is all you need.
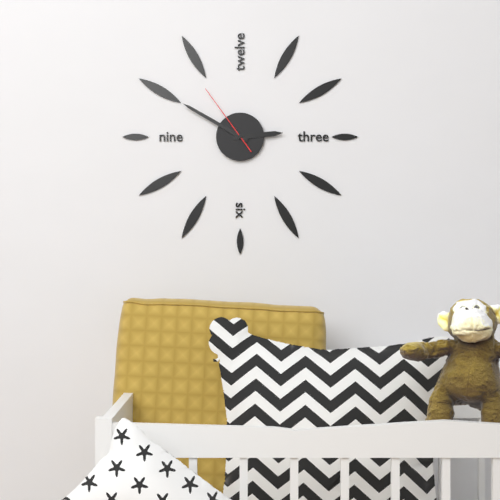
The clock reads 2:50:54
